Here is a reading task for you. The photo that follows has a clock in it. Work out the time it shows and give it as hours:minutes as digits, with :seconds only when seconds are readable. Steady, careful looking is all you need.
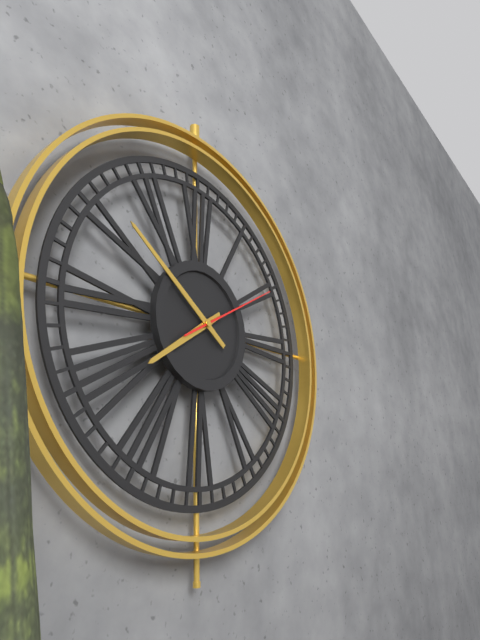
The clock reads 7:51:10
